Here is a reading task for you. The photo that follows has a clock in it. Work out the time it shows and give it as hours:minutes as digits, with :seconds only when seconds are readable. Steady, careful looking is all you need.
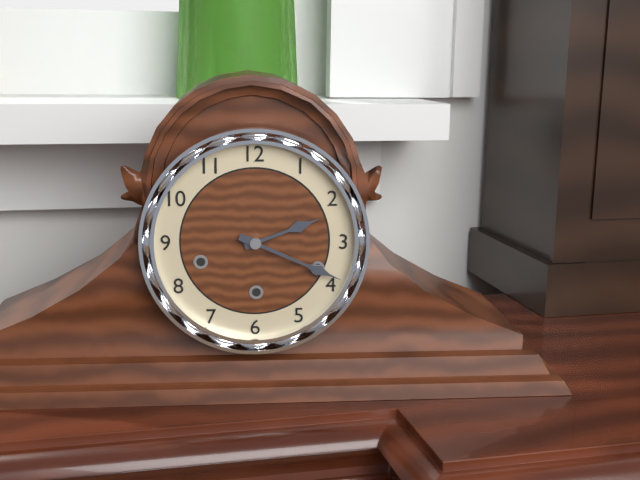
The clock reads 2:19
